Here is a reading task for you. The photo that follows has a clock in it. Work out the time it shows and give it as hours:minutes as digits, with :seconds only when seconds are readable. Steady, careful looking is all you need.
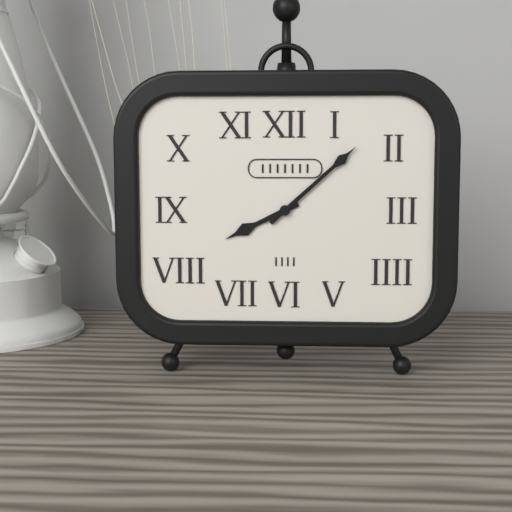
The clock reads 8:08
